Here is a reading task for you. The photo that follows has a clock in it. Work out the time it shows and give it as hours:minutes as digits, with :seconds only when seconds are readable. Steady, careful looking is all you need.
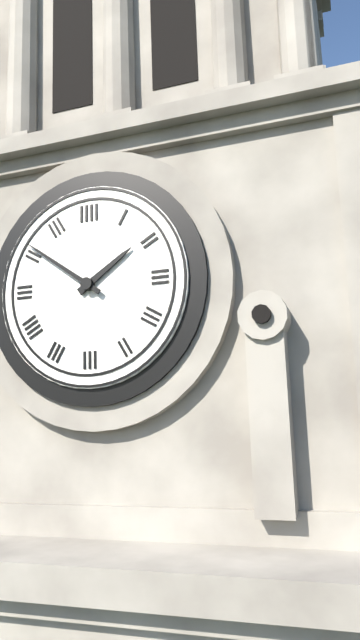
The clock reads 1:51
